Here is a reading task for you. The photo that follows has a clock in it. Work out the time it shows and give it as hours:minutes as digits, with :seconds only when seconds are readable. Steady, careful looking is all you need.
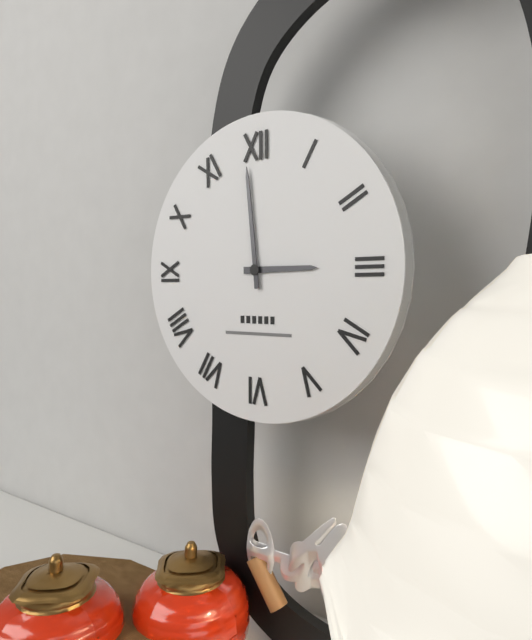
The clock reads 2:59
